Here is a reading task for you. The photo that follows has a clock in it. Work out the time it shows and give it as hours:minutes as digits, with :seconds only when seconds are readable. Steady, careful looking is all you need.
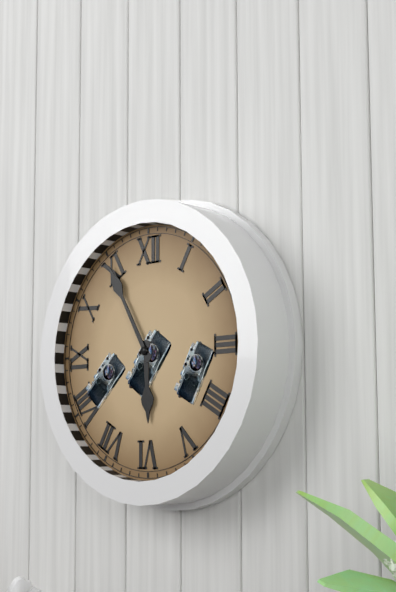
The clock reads 5:55
